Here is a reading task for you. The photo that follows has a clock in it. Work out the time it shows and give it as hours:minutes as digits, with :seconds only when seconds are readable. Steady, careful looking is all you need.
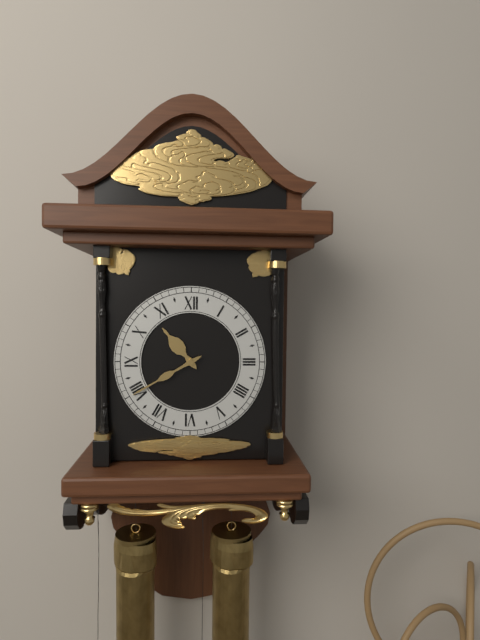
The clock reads 10:40
